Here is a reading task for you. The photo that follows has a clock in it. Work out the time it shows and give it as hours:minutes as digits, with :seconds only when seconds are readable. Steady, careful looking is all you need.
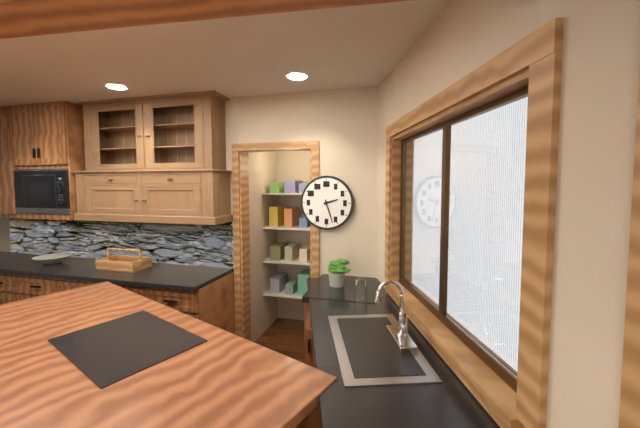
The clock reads 2:27
